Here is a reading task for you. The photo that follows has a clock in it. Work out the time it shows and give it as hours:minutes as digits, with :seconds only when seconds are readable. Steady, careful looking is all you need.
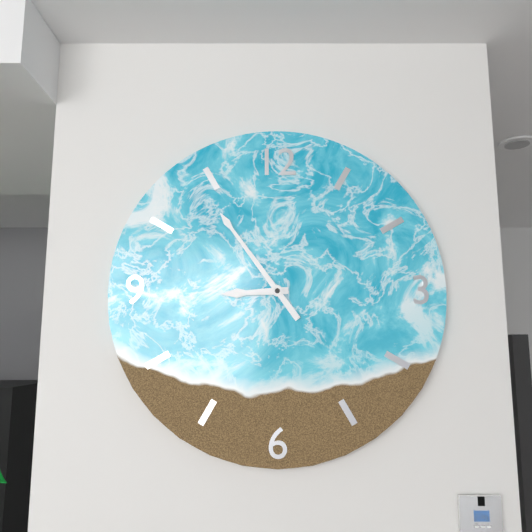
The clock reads 8:54
